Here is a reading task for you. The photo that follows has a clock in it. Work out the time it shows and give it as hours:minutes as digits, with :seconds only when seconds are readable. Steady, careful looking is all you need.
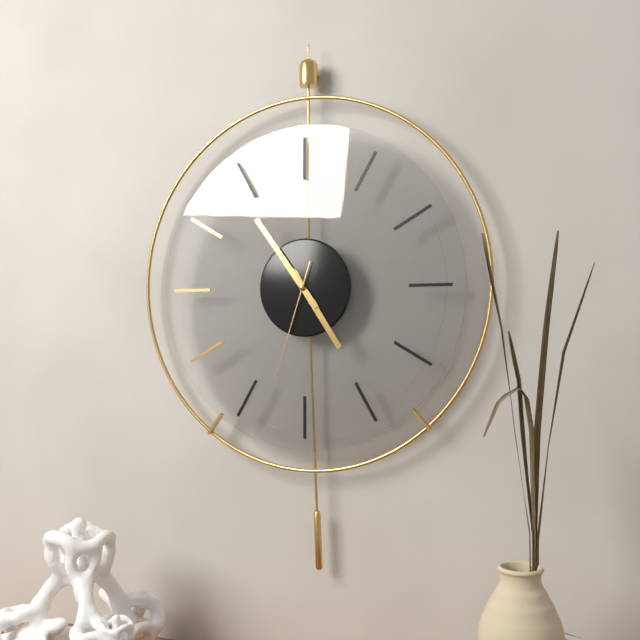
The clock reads 4:54:33
